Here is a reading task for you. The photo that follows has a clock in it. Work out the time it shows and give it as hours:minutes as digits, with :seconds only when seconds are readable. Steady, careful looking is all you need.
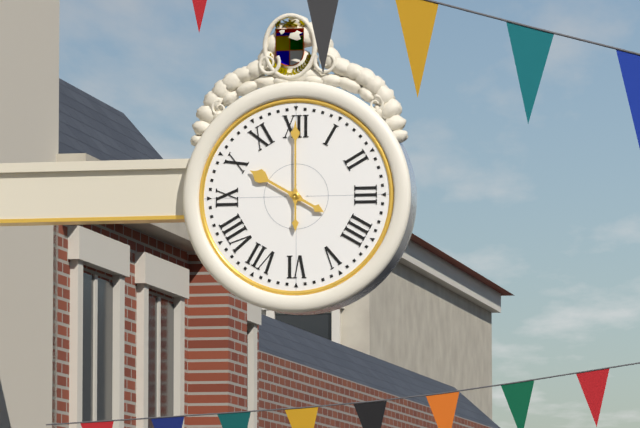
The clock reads 10:00
